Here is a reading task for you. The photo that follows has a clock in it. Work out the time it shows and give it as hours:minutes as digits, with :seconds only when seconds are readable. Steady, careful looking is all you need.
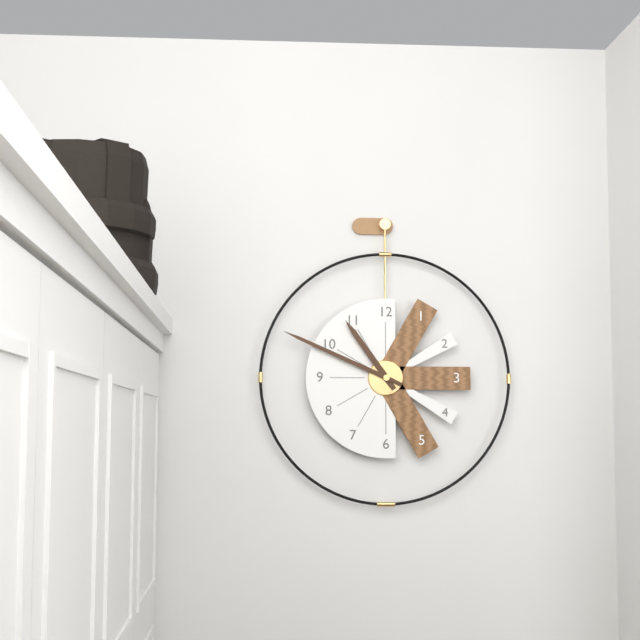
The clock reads 10:49
